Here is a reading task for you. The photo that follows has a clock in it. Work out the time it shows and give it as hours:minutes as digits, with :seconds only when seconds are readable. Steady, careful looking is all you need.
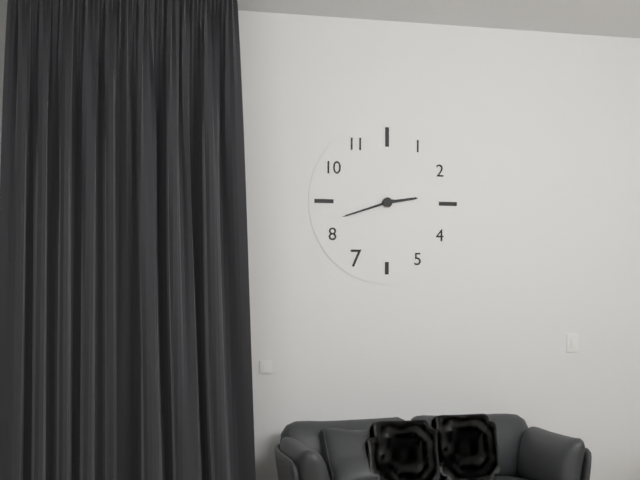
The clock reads 2:42
